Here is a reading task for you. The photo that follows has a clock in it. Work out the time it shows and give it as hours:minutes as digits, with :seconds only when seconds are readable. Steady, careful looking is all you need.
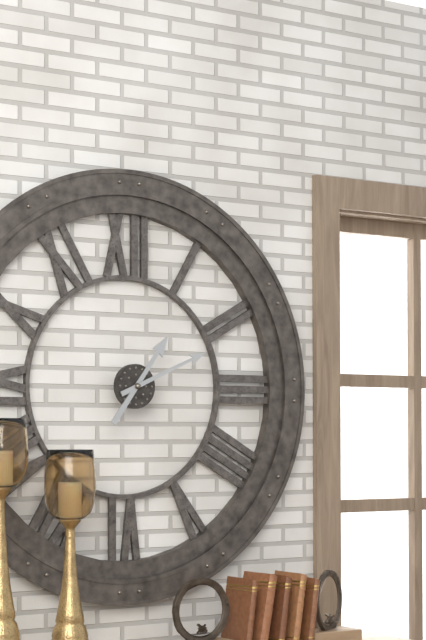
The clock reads 1:11
